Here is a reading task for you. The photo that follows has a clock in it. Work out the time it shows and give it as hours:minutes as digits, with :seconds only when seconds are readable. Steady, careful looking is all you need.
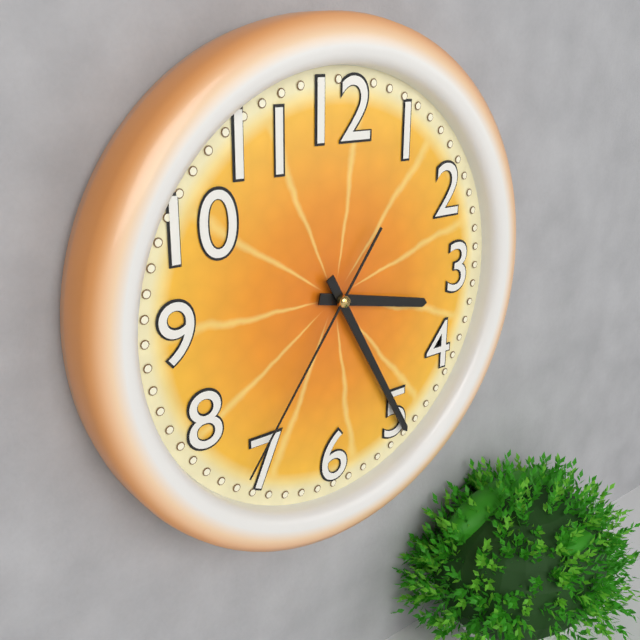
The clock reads 3:25:36
